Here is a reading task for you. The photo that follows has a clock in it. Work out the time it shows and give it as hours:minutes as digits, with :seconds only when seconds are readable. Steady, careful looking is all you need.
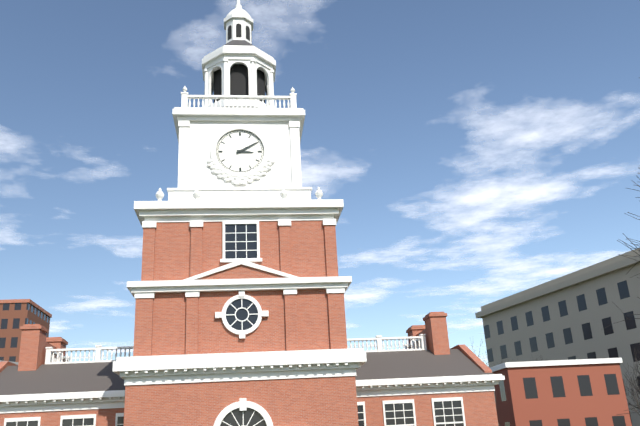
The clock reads 3:10
